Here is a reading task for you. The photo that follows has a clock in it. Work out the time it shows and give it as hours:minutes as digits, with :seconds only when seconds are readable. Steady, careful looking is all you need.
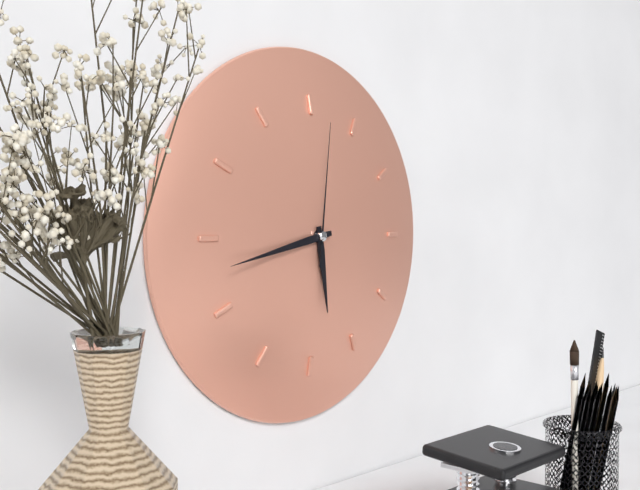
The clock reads 5:43:01
